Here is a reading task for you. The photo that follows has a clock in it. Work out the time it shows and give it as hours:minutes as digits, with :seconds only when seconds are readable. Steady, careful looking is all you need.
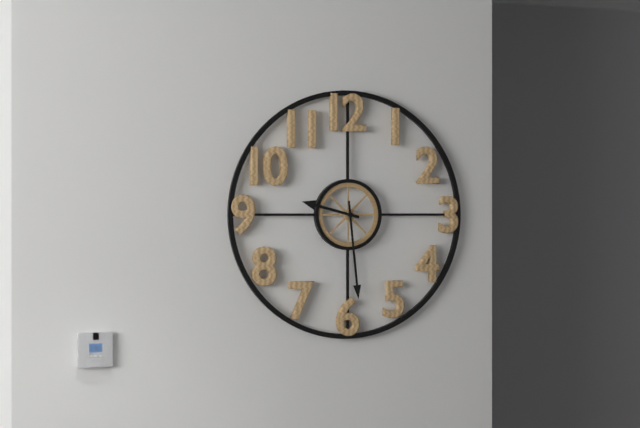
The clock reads 9:29
